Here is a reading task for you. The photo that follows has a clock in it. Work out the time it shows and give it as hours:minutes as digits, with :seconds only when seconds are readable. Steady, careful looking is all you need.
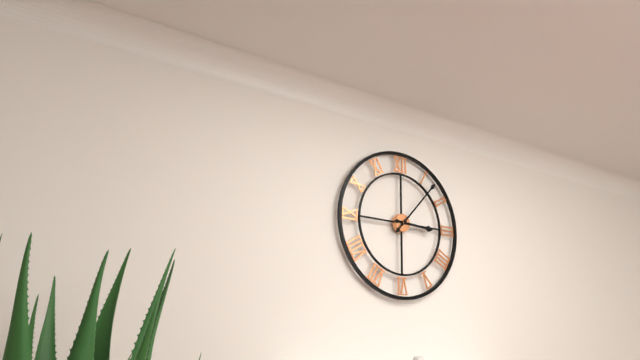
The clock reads 3:07
